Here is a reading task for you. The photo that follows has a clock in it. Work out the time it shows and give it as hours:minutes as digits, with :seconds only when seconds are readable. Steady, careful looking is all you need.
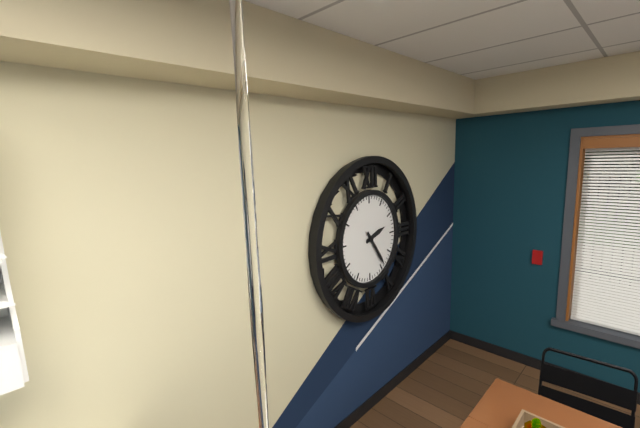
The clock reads 2:24
